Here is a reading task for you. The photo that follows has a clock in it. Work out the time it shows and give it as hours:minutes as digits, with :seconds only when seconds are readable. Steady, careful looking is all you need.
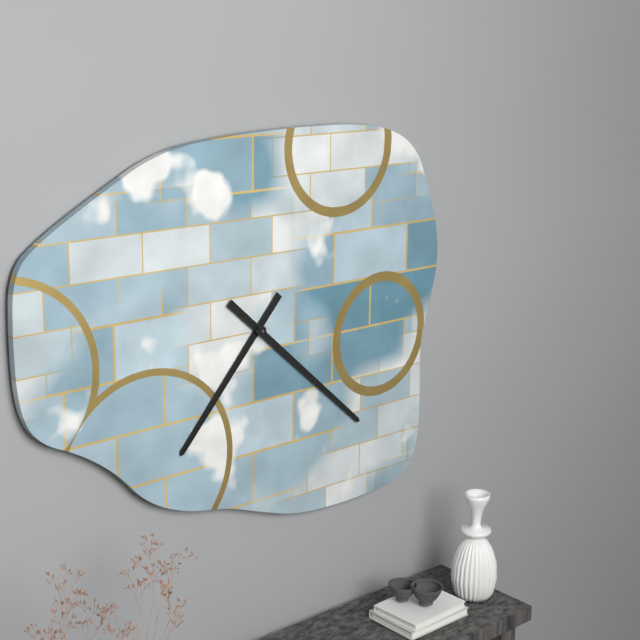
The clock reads 7:22
